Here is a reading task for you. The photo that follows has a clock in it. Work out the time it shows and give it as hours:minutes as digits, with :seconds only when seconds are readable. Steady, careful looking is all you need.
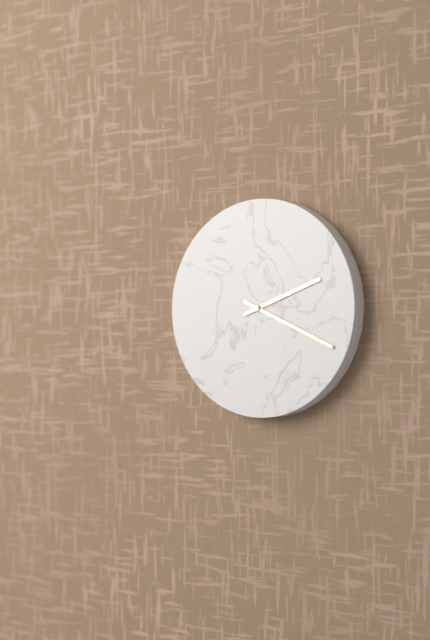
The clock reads 2:19
